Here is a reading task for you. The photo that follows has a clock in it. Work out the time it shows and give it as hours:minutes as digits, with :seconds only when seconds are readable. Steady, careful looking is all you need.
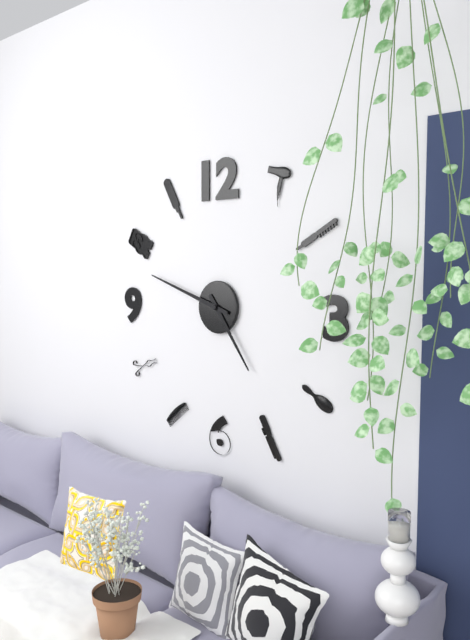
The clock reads 4:48
